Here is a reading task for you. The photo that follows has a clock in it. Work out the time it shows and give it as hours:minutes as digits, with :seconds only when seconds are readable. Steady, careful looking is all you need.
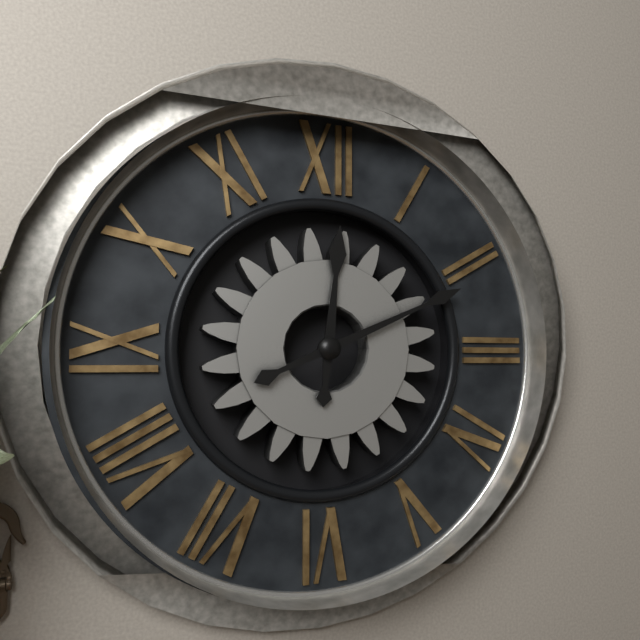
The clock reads 12:11
